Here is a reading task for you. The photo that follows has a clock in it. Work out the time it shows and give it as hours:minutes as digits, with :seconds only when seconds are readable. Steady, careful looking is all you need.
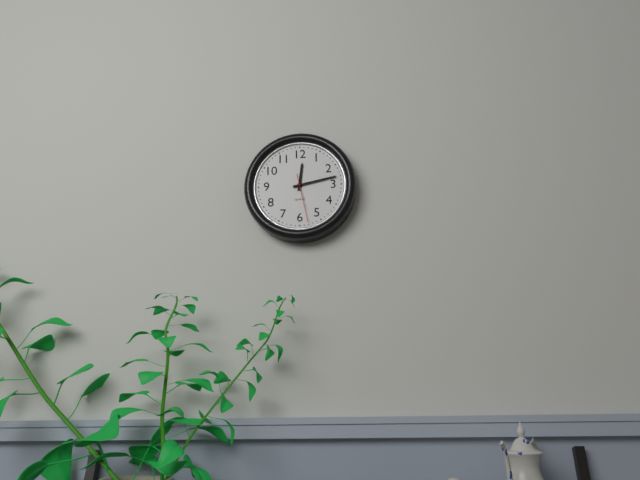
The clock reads 12:13
